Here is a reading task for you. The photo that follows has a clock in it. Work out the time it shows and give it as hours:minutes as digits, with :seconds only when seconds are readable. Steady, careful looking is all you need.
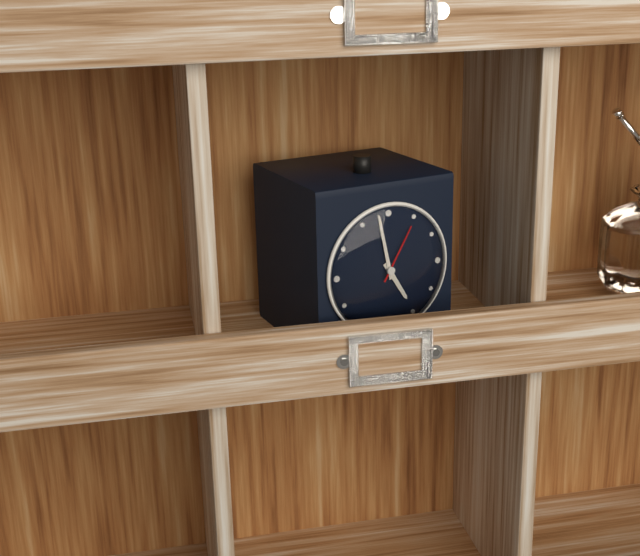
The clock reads 4:58:05
